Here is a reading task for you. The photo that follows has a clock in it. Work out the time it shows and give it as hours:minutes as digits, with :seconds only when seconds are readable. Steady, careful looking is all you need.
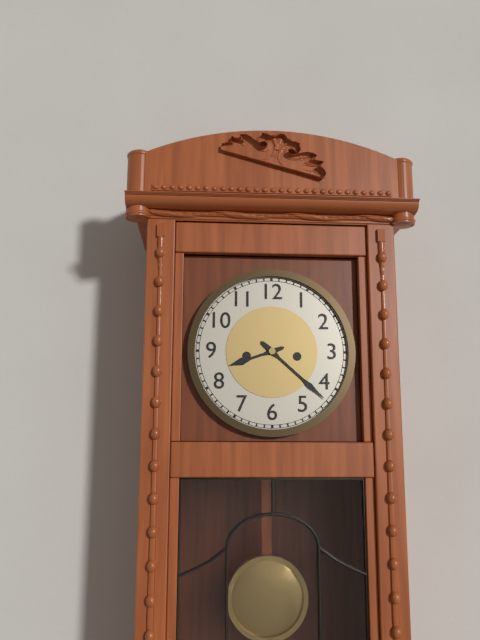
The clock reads 8:22
